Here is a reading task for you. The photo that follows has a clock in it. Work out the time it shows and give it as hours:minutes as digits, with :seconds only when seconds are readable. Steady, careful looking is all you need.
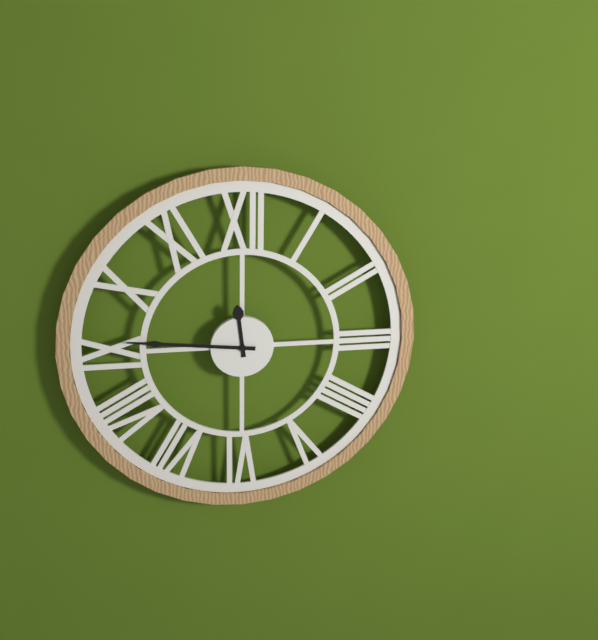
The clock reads 11:46
